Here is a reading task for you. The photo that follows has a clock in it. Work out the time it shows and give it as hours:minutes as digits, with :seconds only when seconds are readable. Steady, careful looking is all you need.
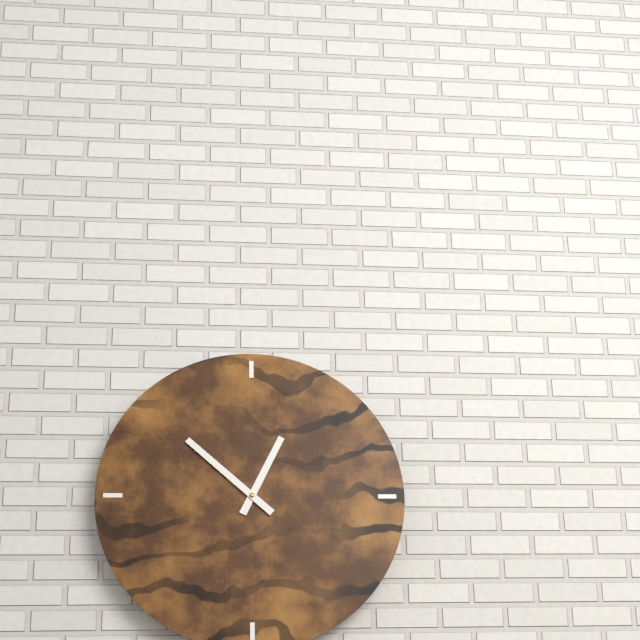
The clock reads 12:52
